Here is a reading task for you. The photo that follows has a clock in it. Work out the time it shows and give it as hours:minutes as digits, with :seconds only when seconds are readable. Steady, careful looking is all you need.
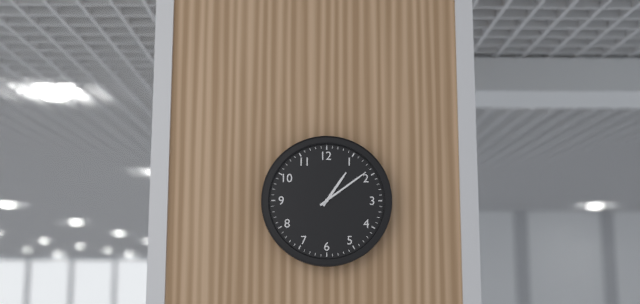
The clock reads 1:09
